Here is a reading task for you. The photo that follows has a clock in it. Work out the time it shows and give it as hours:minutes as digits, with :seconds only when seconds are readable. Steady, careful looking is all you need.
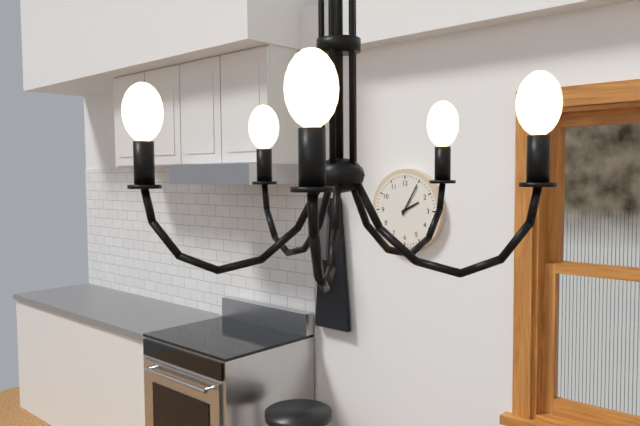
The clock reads 2:05
